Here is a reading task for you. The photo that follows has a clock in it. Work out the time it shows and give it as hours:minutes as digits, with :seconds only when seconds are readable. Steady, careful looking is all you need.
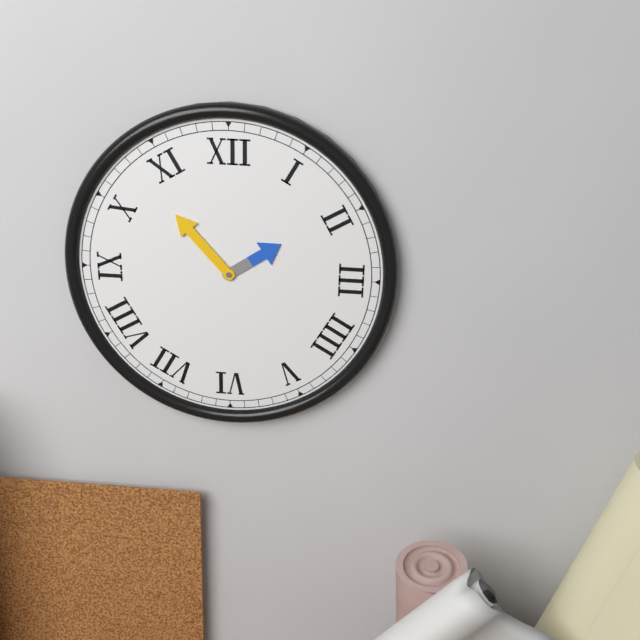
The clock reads 1:53
